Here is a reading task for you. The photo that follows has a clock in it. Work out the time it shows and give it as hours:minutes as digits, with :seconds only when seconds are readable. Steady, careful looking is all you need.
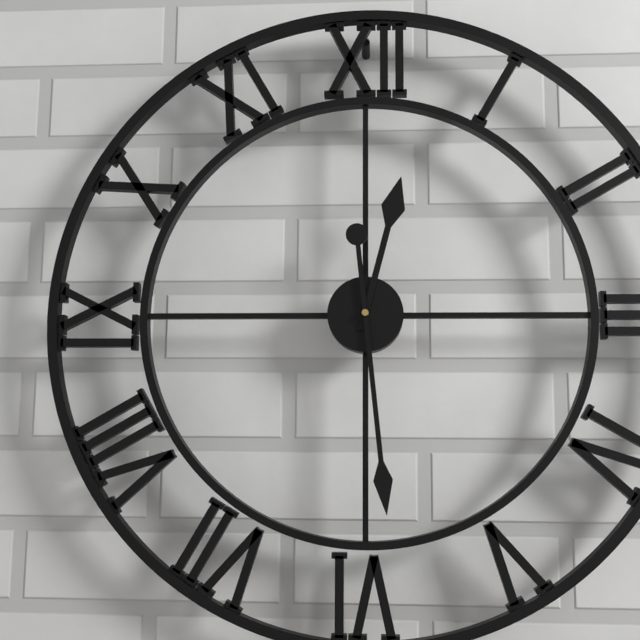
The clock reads 12:29
